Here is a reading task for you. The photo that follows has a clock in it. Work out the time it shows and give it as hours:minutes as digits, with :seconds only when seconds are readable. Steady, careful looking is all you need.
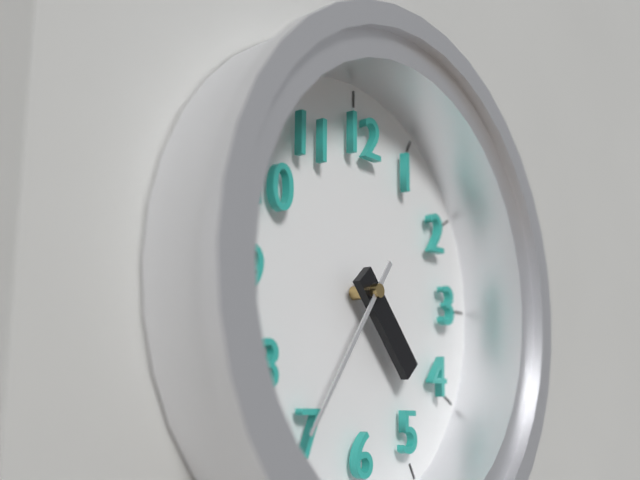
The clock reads 4:36
